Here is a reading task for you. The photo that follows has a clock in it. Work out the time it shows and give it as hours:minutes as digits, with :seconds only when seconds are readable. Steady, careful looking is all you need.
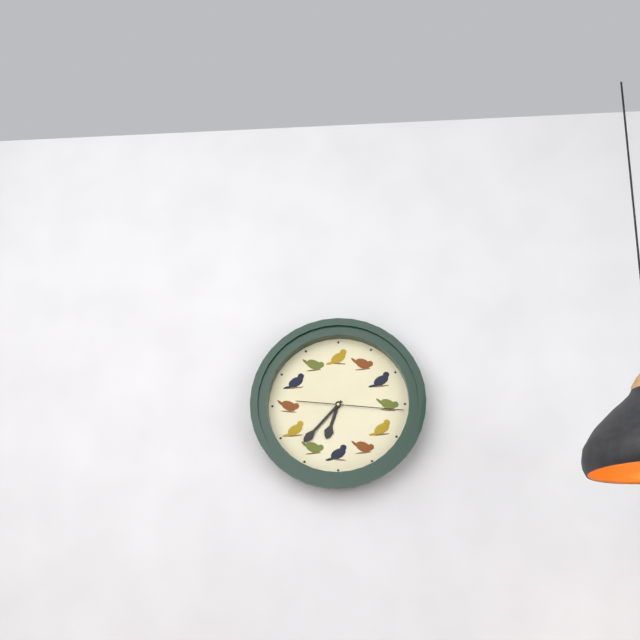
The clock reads 6:37:16
